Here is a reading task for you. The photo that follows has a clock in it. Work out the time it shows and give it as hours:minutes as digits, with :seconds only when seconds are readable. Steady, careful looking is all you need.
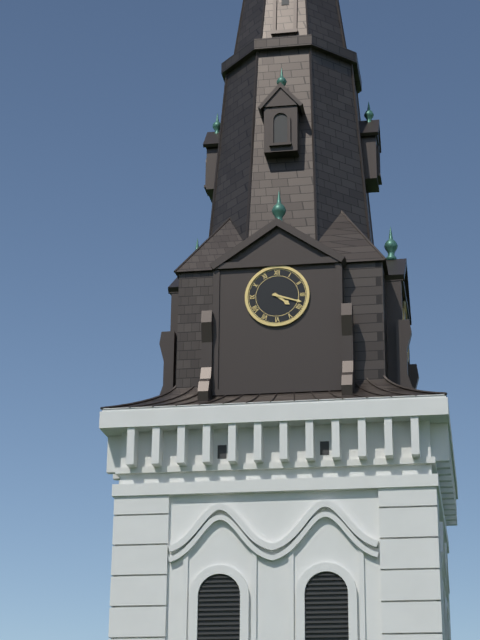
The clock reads 4:18
